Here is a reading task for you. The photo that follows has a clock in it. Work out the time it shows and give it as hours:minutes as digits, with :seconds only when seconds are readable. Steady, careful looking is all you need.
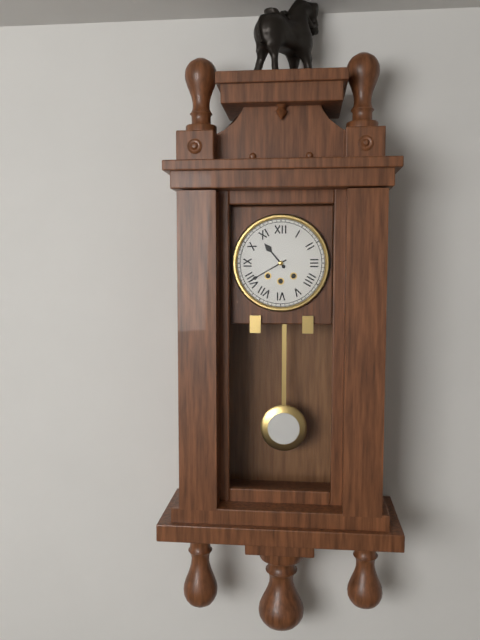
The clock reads 10:40
